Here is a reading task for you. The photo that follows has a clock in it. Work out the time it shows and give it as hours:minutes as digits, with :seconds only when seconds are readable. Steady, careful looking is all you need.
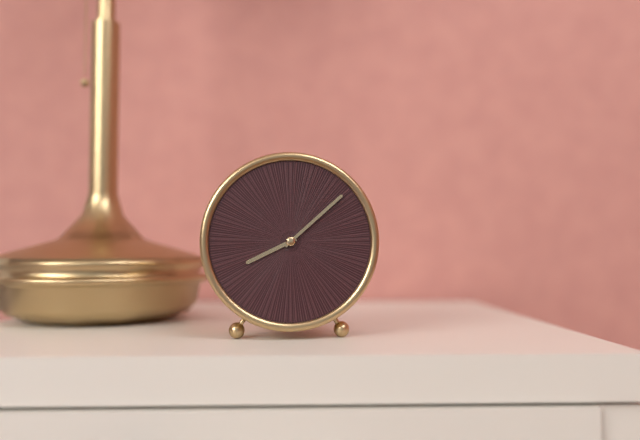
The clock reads 8:08
